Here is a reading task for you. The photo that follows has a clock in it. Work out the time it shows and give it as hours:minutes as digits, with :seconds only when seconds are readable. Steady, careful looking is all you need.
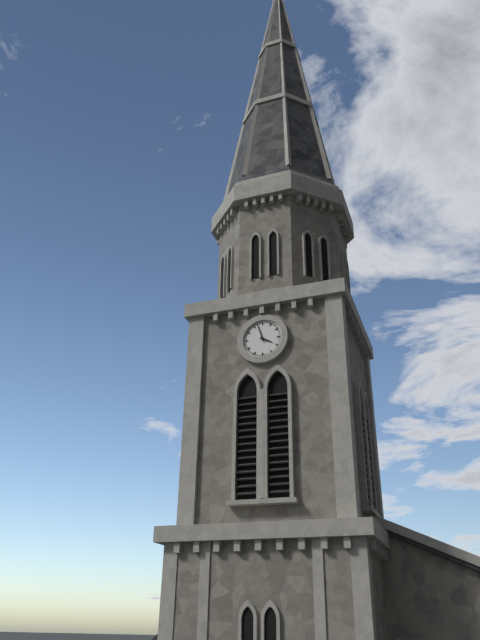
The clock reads 3:57
